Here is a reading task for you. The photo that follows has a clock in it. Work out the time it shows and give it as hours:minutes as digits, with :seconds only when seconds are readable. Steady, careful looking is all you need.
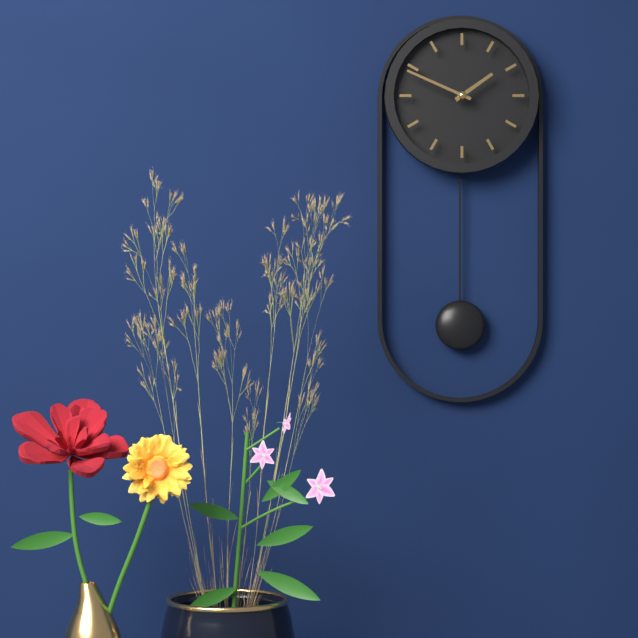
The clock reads 1:49
